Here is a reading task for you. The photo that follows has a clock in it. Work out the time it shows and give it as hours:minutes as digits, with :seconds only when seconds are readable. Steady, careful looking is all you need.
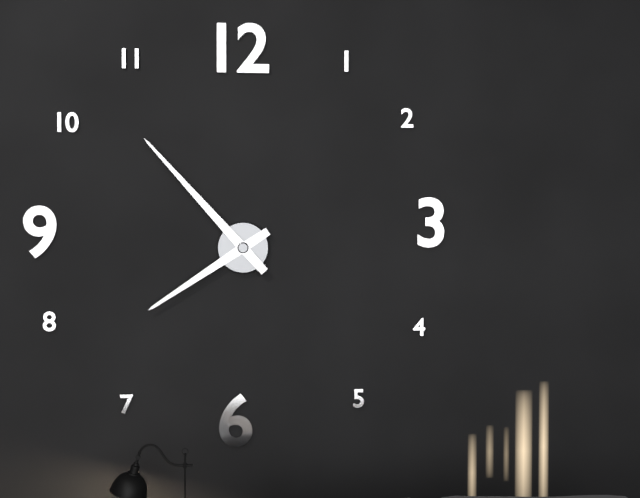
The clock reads 7:53
